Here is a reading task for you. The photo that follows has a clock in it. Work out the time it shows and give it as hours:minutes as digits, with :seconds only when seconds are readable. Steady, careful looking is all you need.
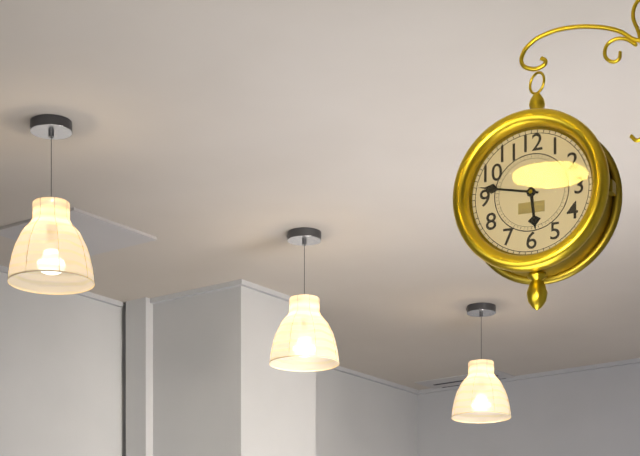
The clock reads 5:47
